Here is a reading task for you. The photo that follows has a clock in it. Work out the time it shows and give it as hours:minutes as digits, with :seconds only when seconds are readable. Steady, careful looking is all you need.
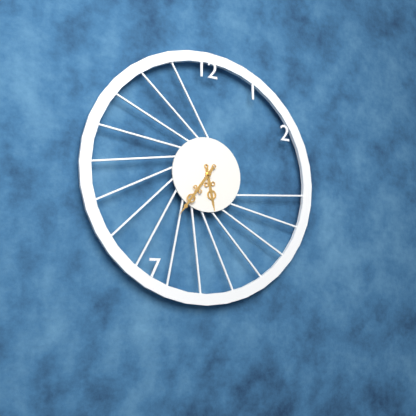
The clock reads 5:36
